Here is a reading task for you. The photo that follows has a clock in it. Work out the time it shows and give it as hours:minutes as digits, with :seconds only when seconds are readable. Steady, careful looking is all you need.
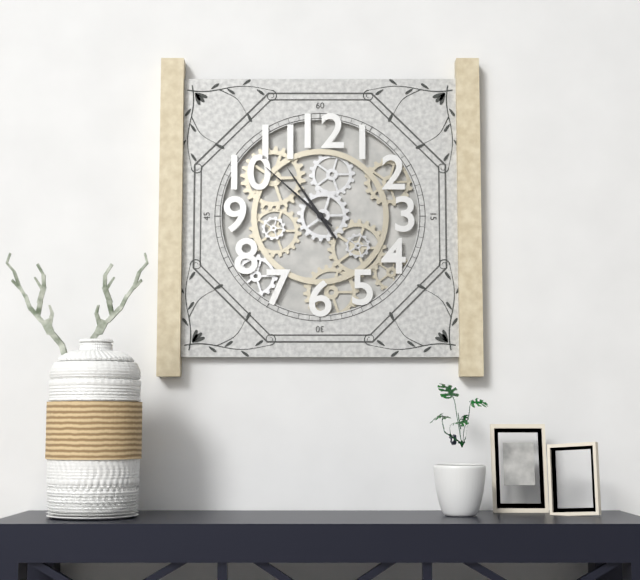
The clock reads 10:52
